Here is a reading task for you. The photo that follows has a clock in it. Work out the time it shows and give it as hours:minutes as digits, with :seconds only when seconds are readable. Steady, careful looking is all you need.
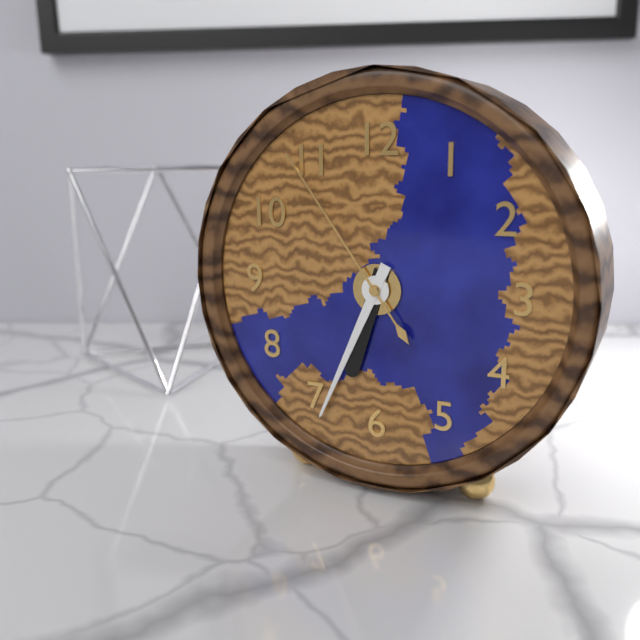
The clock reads 6:34:54
